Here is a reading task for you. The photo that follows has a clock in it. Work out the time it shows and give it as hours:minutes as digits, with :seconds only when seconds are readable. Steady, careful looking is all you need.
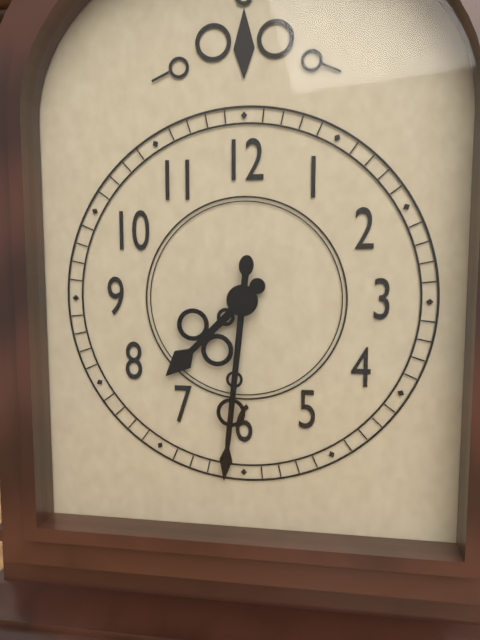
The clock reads 7:31
